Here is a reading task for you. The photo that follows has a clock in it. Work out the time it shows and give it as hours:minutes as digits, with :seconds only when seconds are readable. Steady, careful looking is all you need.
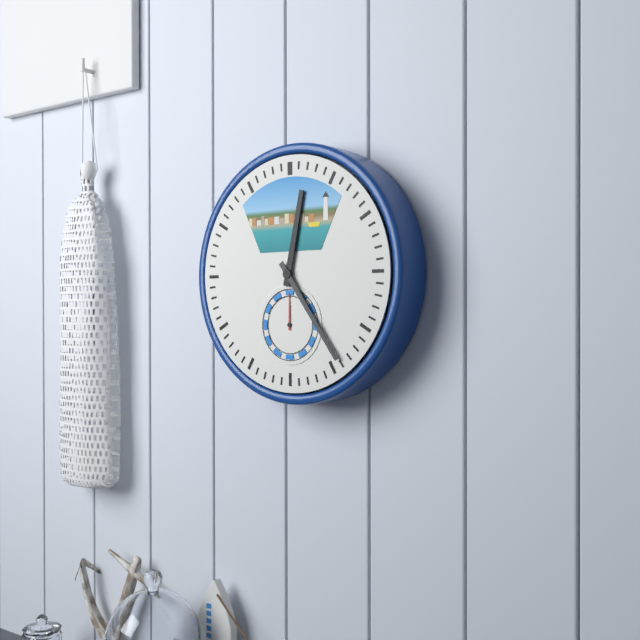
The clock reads 12:24
